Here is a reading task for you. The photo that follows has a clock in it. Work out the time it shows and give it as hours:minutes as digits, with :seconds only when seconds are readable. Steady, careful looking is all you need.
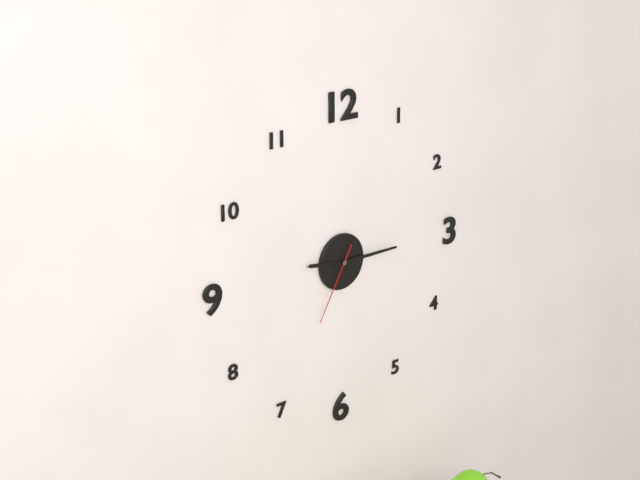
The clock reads 9:15:35
